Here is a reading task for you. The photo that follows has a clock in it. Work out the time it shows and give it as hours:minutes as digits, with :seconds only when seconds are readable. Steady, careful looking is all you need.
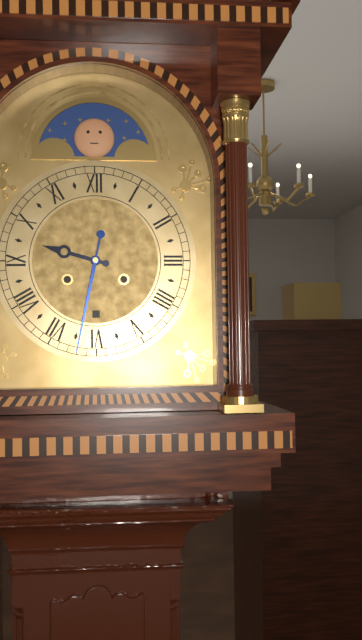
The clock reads 9:32
